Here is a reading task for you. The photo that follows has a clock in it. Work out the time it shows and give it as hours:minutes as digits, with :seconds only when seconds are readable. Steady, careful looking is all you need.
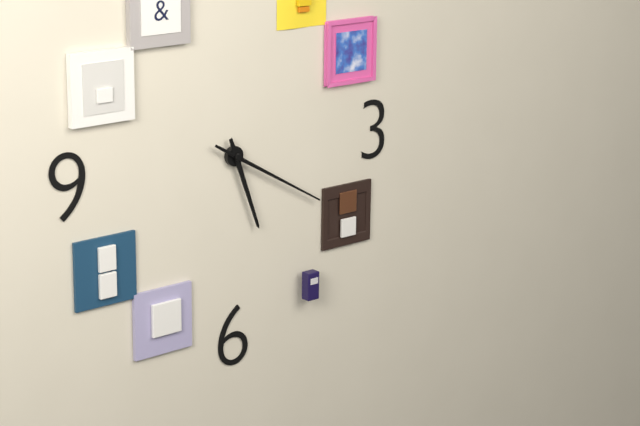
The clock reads 5:20
